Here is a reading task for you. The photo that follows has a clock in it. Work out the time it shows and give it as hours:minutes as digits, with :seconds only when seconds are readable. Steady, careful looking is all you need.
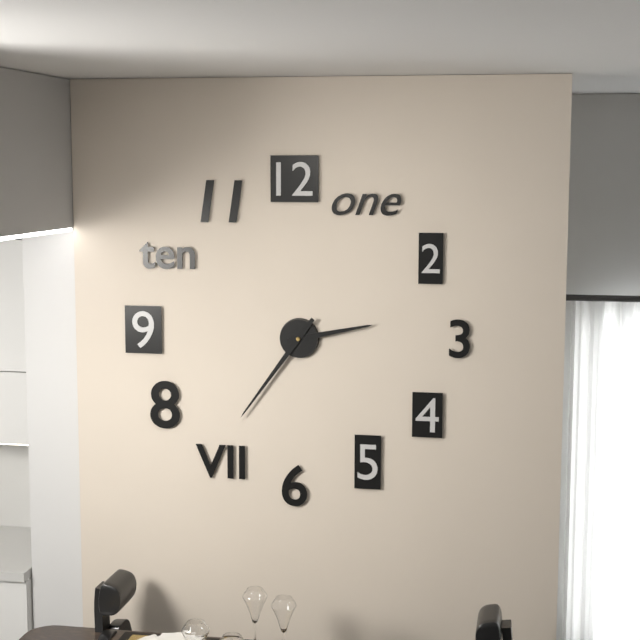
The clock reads 2:36
